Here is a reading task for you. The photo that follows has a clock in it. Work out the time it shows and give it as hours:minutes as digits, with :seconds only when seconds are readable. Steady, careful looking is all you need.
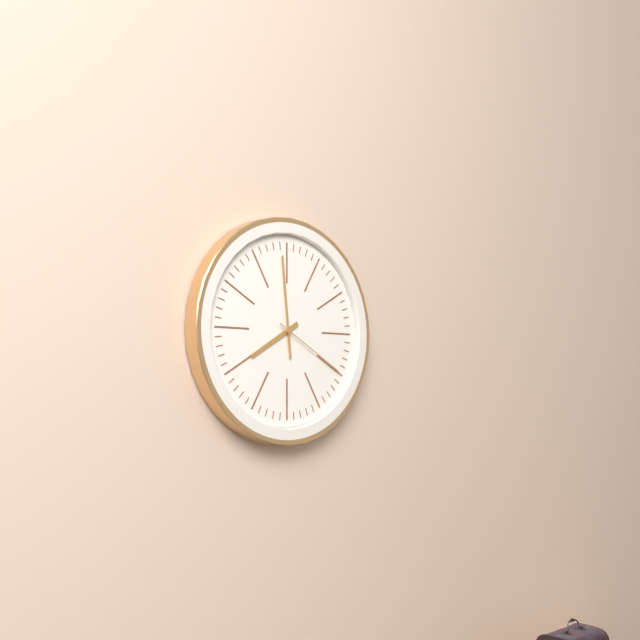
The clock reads 7:59:20
